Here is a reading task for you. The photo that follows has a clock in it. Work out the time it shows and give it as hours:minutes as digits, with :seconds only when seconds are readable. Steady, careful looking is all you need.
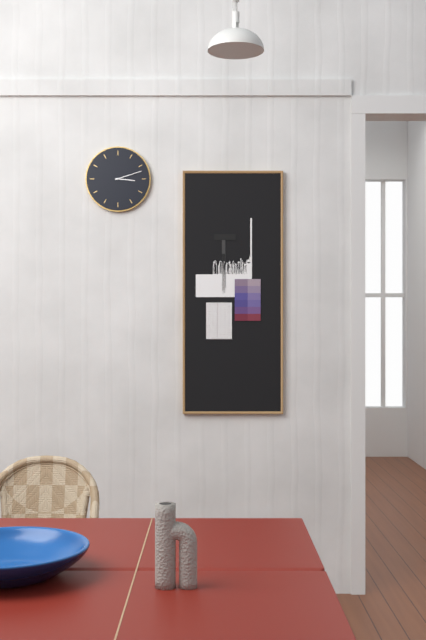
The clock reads 3:12
